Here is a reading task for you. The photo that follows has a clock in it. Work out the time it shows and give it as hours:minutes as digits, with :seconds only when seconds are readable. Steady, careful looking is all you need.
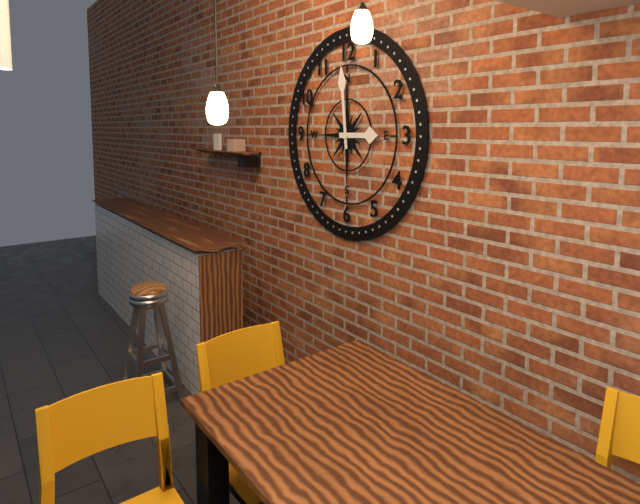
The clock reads 2:59
